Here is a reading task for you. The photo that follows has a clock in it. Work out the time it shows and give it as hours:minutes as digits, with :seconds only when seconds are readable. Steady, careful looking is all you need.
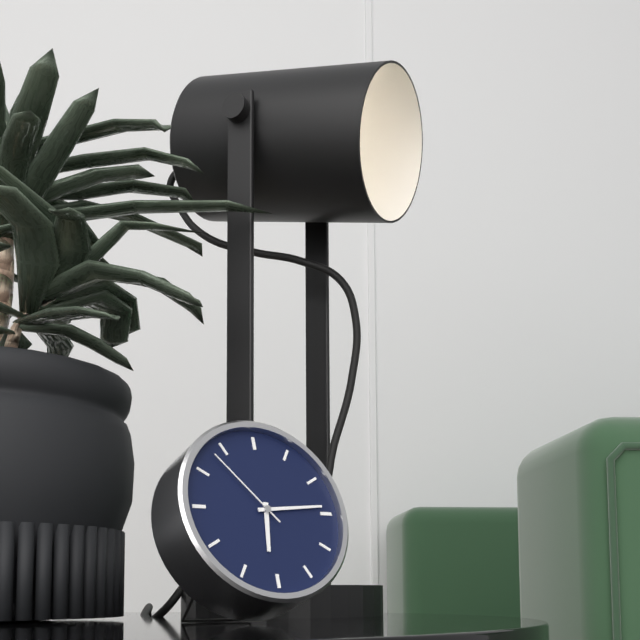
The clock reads 6:14:53
